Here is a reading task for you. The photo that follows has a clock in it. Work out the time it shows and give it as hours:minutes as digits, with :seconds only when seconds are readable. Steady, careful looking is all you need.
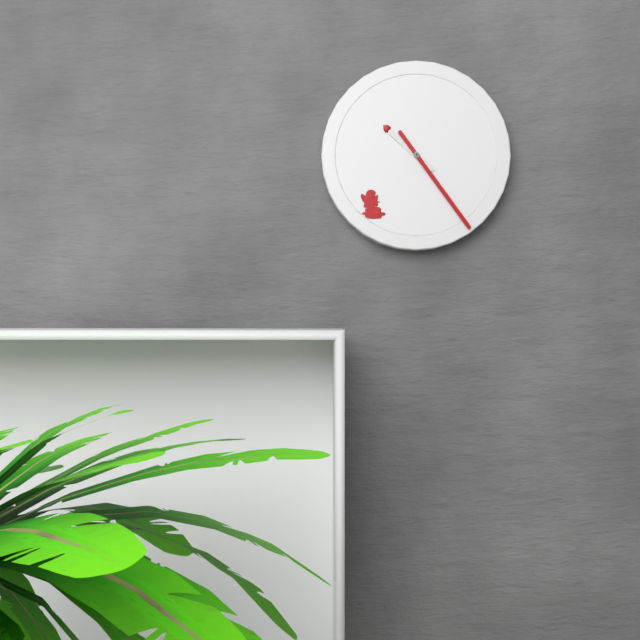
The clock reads 10:24
